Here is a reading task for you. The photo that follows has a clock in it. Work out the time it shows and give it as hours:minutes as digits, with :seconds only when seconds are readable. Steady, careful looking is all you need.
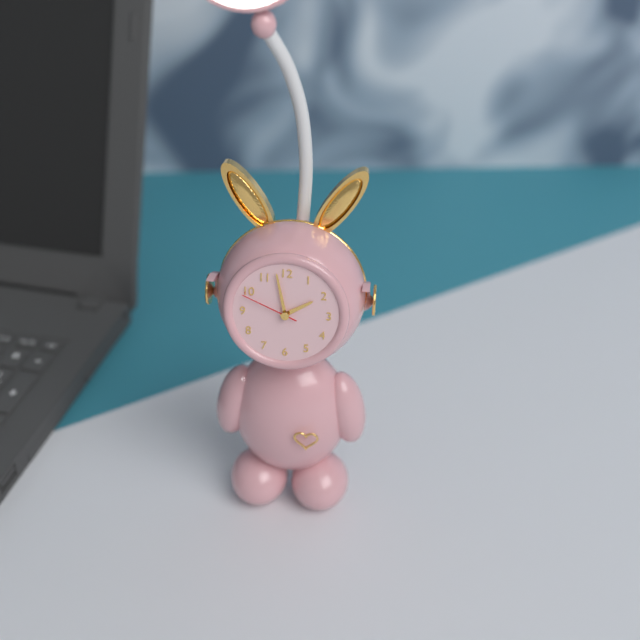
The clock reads 1:58:49
